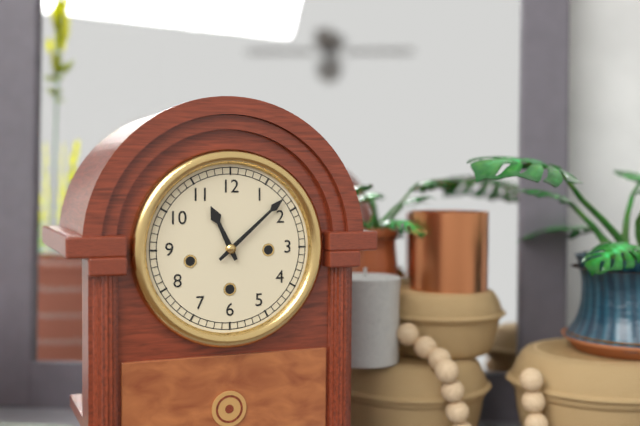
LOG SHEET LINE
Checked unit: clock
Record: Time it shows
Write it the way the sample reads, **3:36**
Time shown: **11:08**
